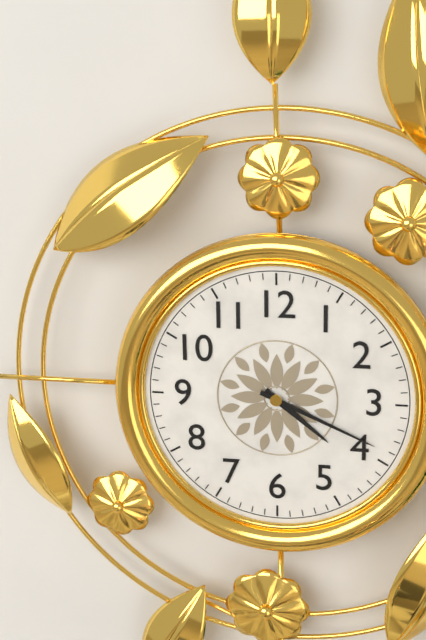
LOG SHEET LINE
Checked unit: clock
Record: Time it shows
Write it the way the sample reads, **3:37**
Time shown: **4:19**
